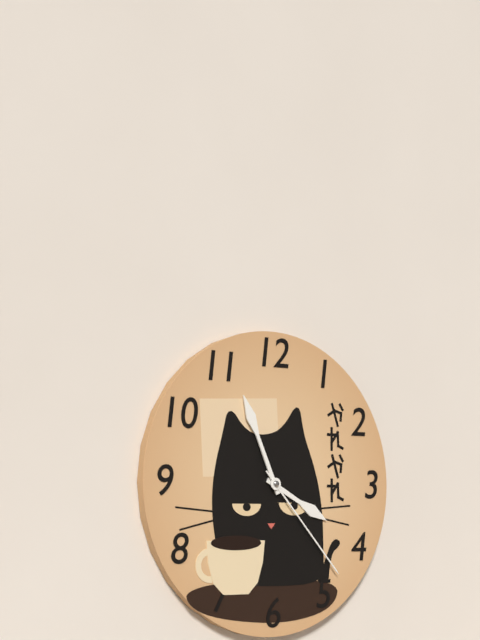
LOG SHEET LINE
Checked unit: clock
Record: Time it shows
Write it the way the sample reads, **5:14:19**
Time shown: **3:56:23**
